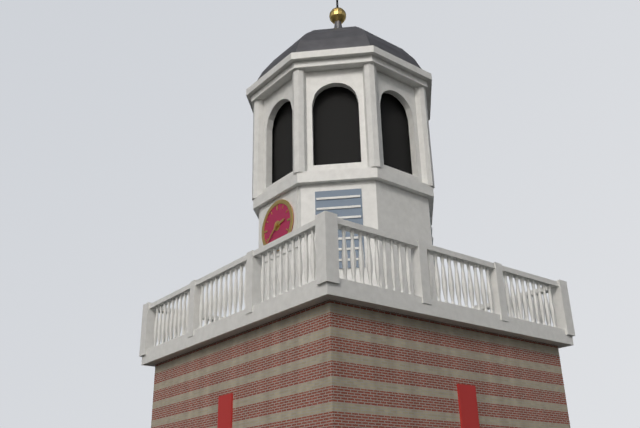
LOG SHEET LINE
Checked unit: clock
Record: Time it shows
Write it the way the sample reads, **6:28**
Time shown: **2:38**
